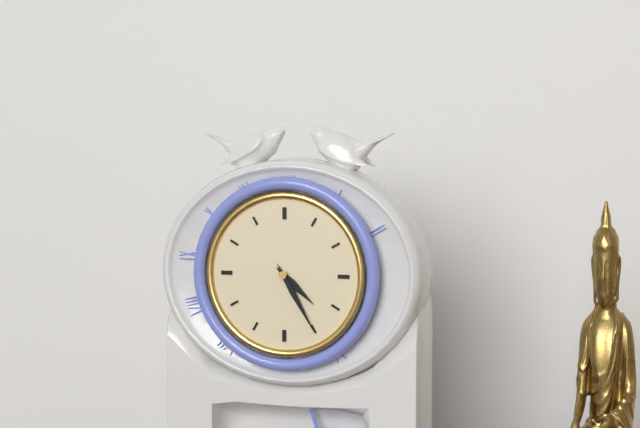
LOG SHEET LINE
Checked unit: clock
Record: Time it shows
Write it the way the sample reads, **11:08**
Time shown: **4:25**
